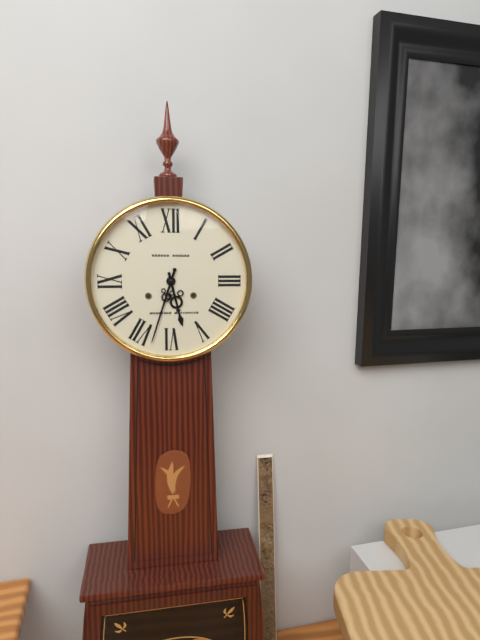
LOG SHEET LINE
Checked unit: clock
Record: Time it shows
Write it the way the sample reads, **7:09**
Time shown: **5:33**
